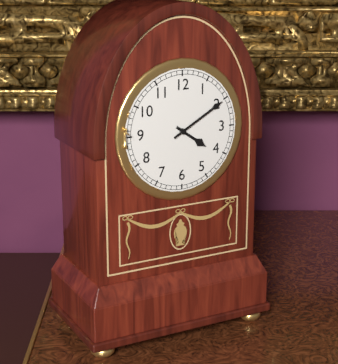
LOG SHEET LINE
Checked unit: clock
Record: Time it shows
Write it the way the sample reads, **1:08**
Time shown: **4:10**
